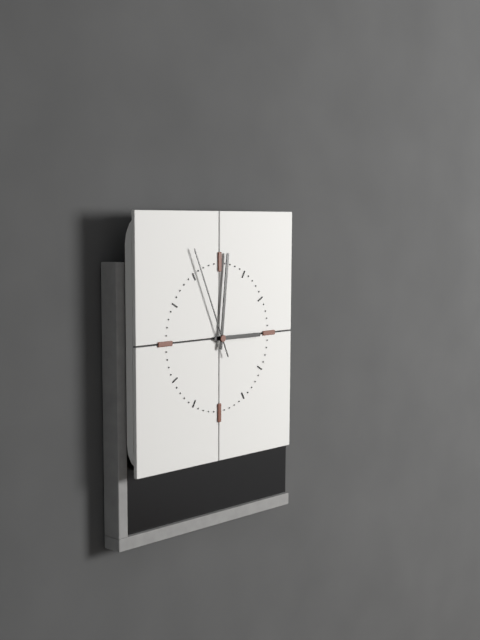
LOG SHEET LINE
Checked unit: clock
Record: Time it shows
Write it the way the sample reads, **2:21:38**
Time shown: **3:01:56**
